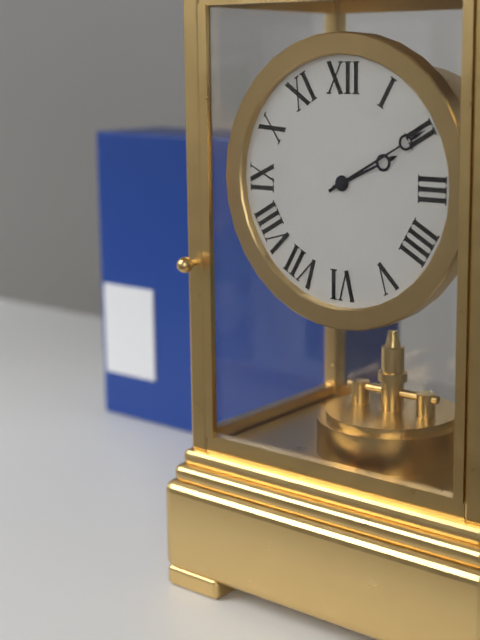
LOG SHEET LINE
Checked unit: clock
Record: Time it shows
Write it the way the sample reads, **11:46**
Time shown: **2:10**
